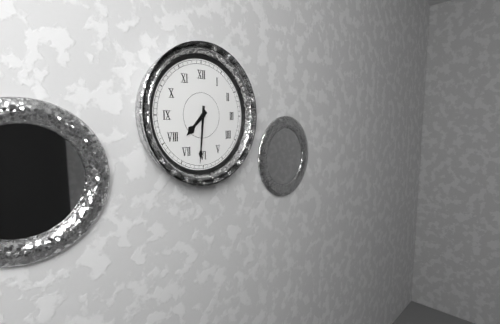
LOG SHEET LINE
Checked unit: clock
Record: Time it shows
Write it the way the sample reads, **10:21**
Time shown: **7:31**
